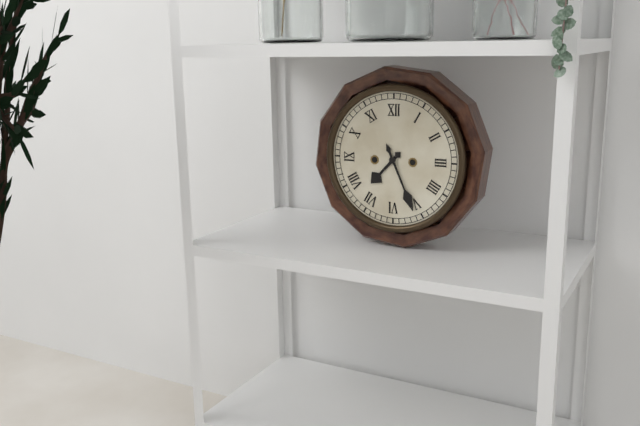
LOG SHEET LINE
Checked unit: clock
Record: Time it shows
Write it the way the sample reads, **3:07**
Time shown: **7:26**
